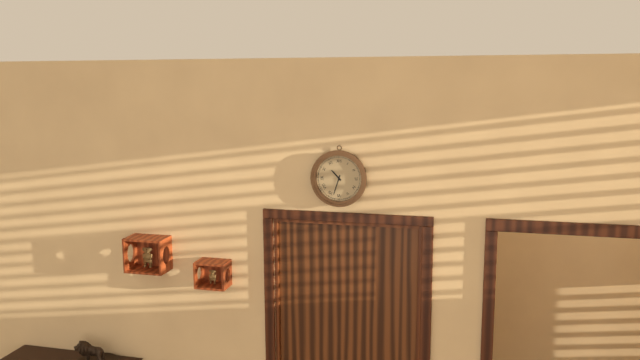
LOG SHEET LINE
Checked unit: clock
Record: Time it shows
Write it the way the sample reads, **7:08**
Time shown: **10:33**
